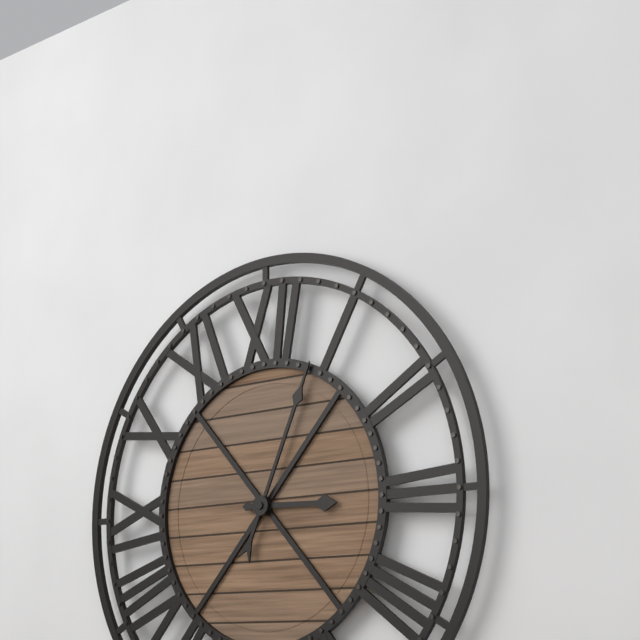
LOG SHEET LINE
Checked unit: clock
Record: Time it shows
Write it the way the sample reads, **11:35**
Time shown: **3:04**
